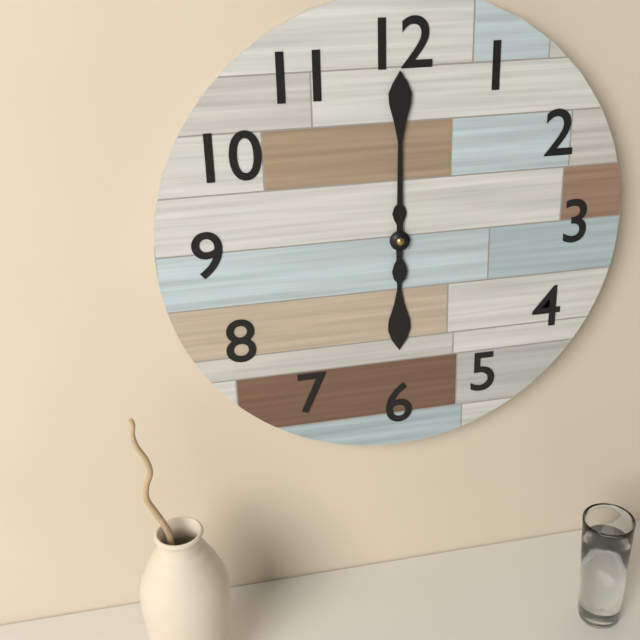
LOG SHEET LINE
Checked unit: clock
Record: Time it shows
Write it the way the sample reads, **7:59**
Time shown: **6:00**
